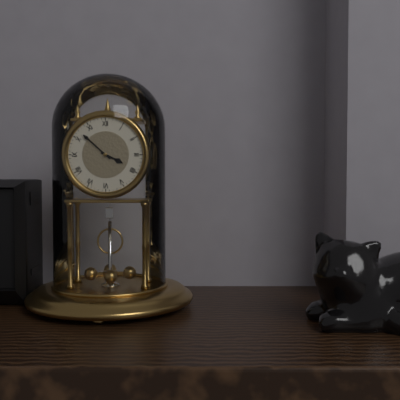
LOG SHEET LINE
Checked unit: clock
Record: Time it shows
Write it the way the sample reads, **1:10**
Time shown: **3:52**
